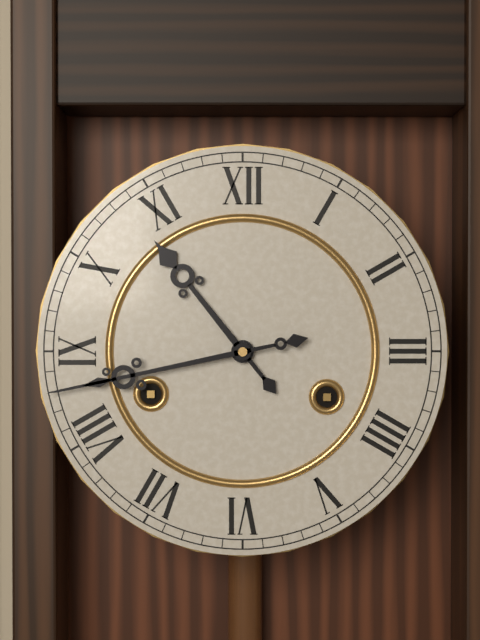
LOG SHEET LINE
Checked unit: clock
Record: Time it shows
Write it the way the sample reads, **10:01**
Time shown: **10:43**
